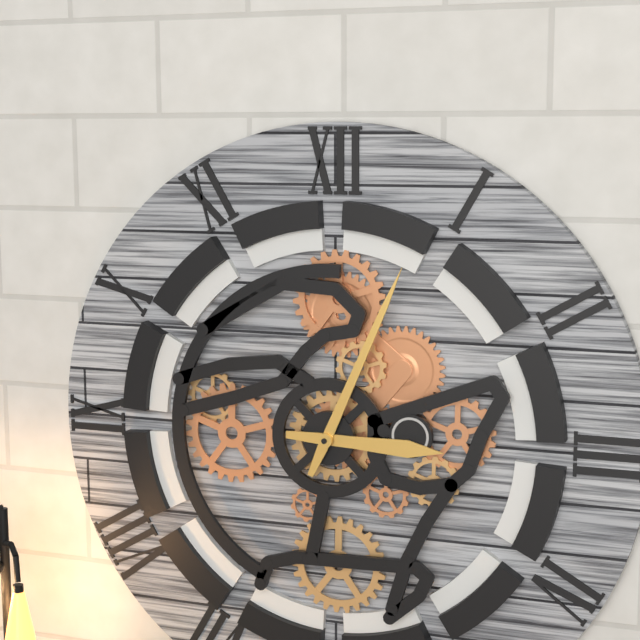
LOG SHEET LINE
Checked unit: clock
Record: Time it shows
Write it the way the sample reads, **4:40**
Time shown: **3:04**
